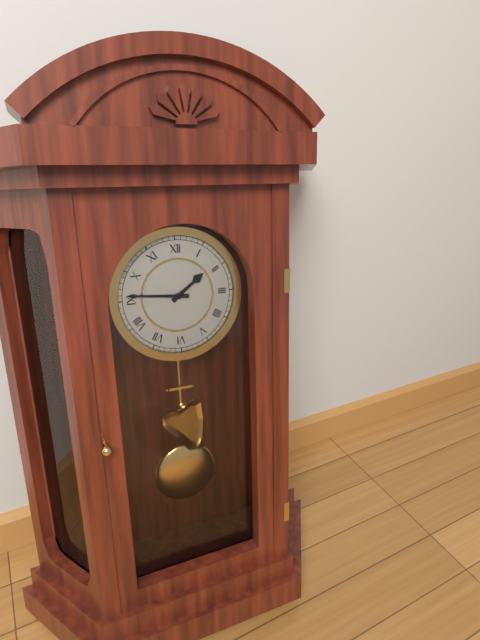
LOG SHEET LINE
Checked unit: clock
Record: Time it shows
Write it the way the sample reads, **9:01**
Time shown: **1:46**
